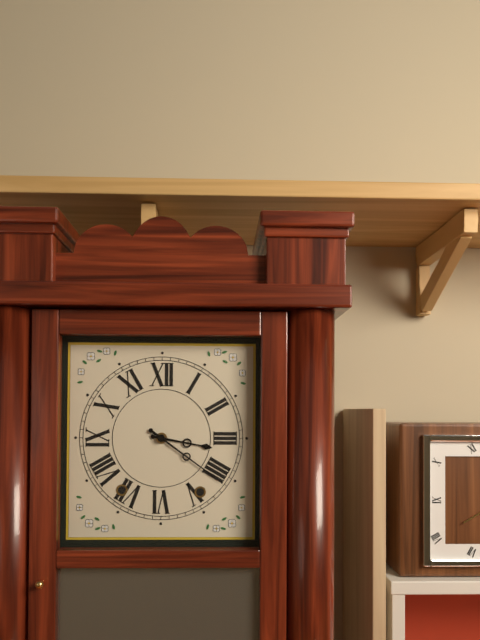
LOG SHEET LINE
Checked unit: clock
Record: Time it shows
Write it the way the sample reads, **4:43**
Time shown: **3:21**
